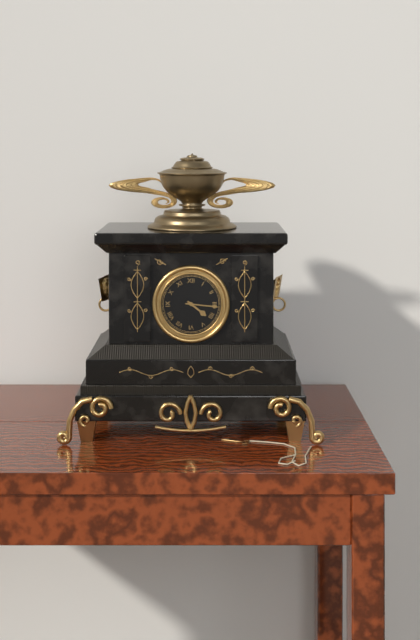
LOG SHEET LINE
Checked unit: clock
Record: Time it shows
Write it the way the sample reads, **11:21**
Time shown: **4:16**
